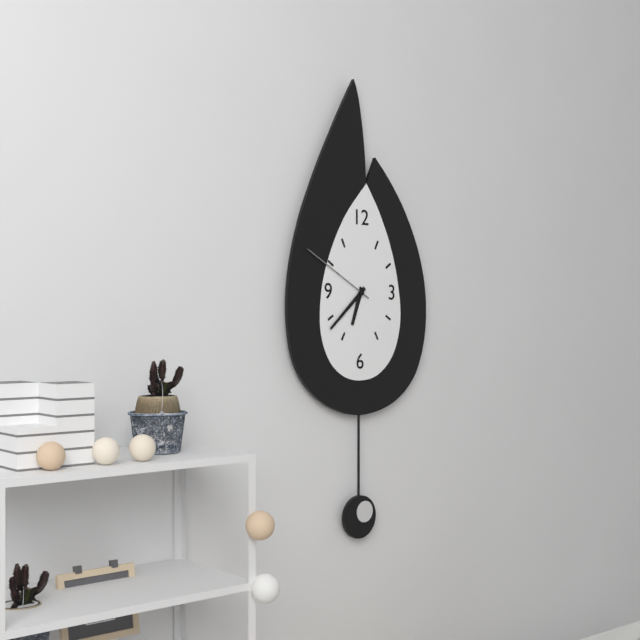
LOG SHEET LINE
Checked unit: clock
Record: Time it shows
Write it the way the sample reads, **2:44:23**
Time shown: **6:38:50**
